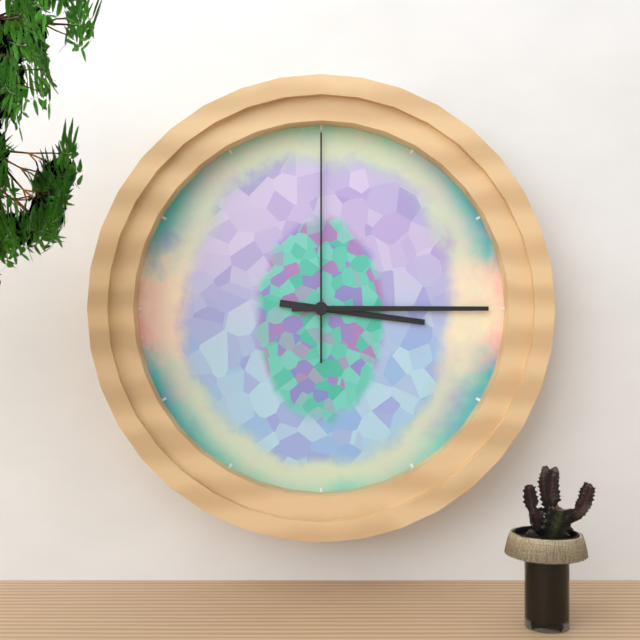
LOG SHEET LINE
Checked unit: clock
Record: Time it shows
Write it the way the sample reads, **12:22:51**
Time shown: **3:15:00**
